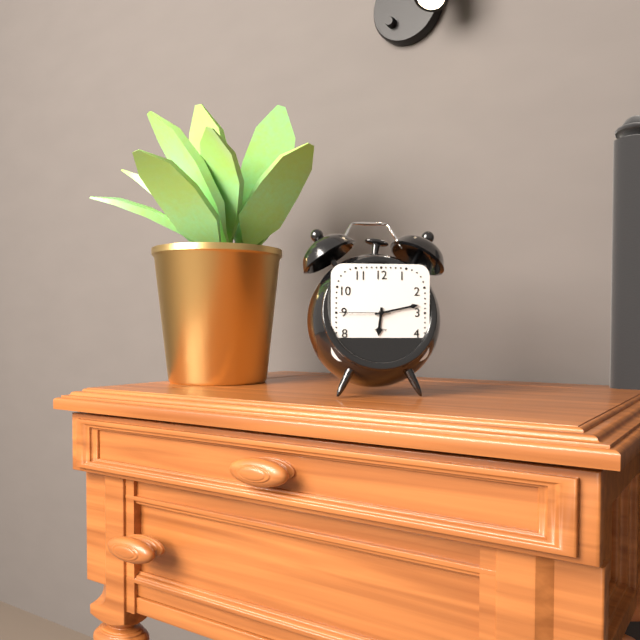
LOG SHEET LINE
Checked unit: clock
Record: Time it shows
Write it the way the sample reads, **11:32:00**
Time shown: **6:13:45**
